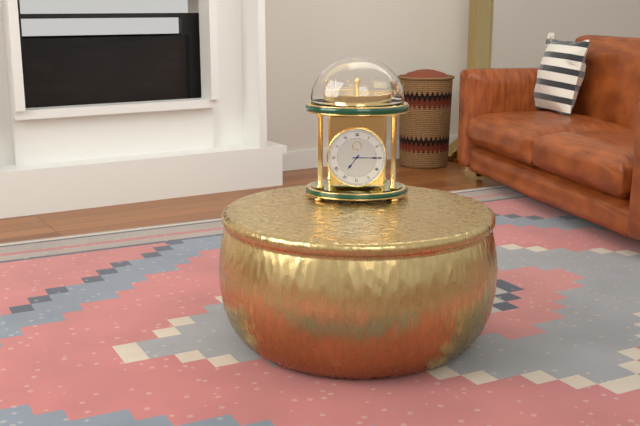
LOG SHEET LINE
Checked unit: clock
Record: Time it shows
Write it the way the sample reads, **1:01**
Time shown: **7:15**
